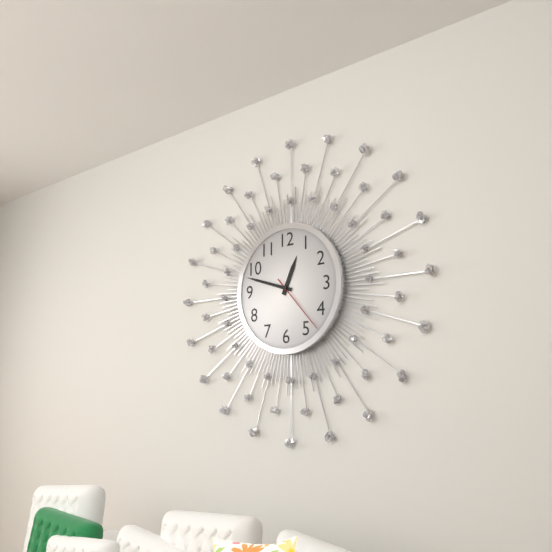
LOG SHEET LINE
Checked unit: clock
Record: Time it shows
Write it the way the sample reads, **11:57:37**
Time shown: **12:48:23**
